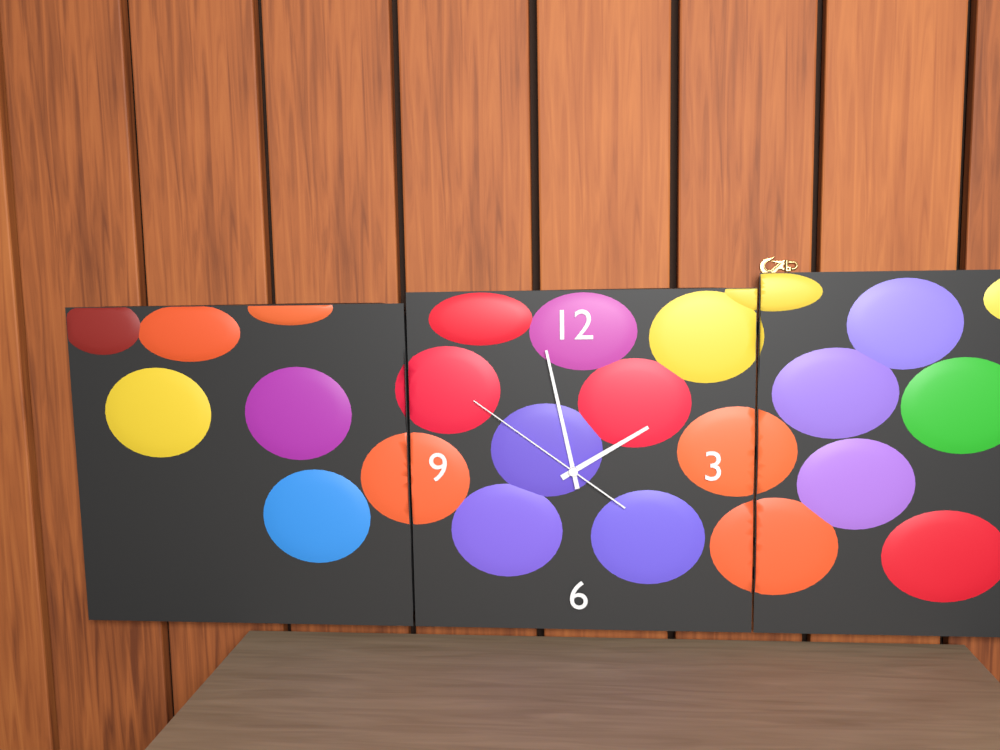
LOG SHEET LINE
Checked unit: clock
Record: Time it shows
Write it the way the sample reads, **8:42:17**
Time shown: **1:58:51**
